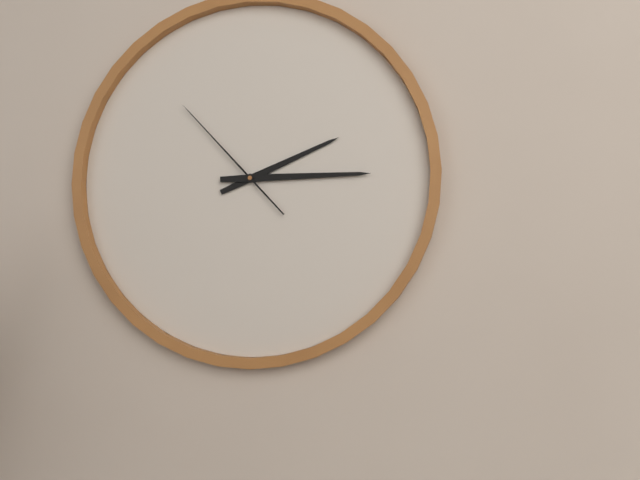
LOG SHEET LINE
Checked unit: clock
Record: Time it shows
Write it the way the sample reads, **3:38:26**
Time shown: **2:15:53**
